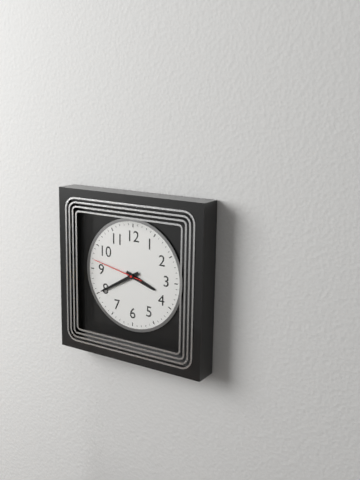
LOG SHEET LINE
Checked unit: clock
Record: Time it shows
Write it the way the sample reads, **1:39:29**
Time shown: **3:40:47**
